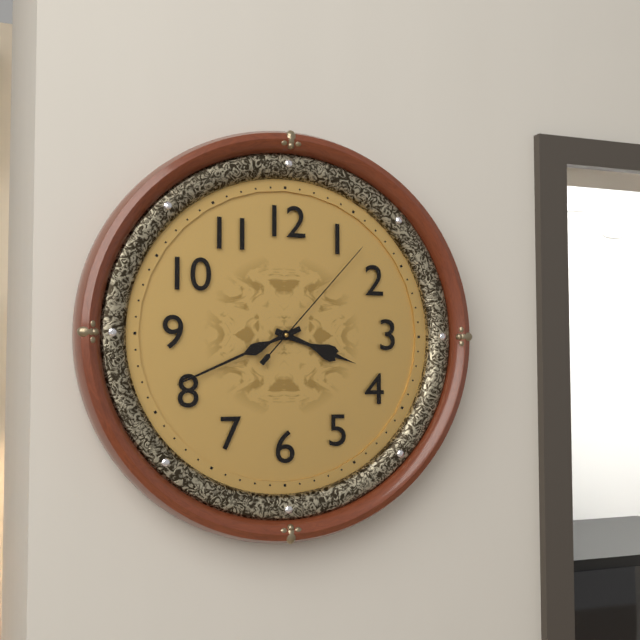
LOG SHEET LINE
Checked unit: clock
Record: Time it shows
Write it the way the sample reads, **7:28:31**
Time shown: **3:41:07**
